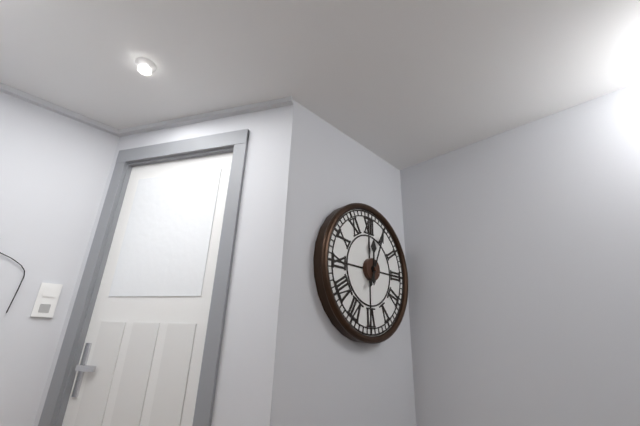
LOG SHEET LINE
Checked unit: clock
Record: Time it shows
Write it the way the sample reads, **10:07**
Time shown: **12:04**
